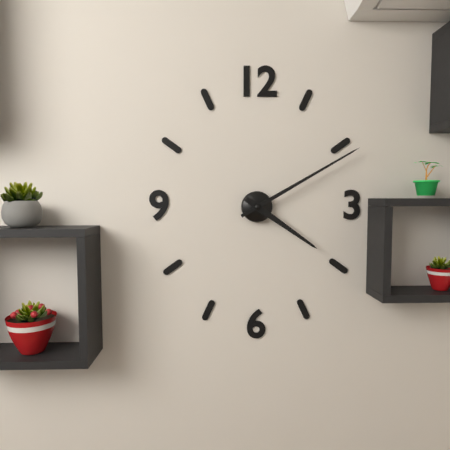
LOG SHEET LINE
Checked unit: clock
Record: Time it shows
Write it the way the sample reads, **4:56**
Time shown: **4:10**
